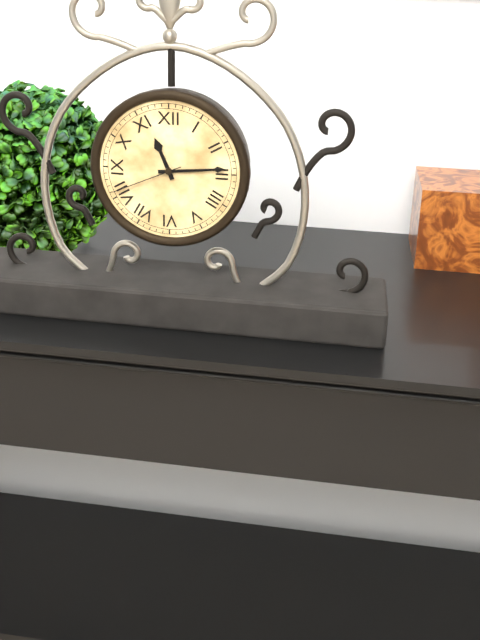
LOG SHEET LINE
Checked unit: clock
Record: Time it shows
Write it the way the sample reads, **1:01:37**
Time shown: **11:14:41**
